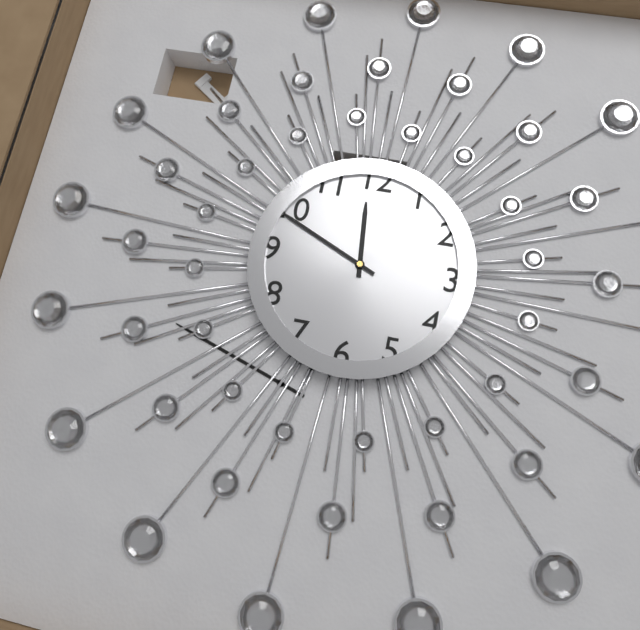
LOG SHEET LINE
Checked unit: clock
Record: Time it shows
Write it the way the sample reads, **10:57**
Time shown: **11:49**
